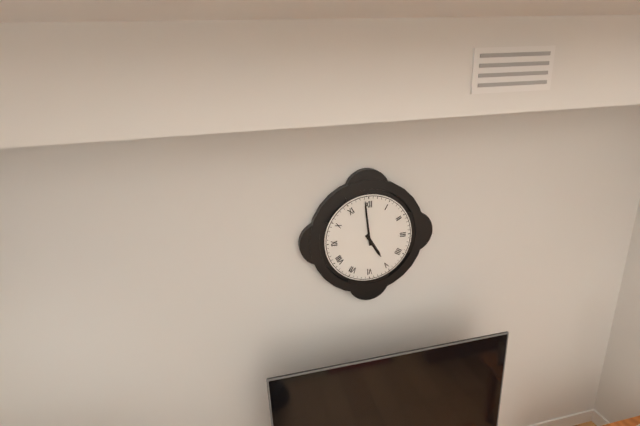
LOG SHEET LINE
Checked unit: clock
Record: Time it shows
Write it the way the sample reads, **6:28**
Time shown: **4:59**
